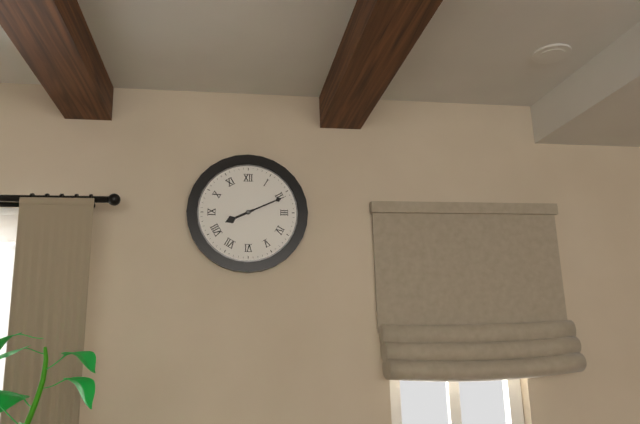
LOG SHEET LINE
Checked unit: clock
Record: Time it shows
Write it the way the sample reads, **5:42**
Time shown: **8:11**
